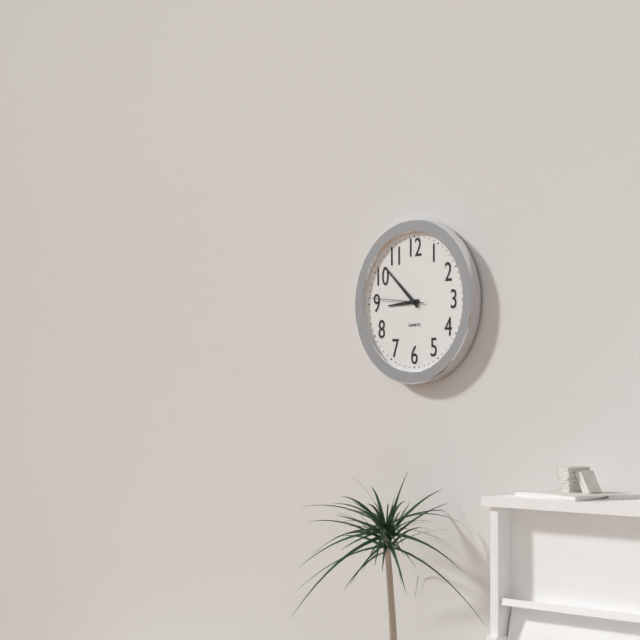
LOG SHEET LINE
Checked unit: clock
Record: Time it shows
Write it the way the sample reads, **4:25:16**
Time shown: **8:52:46**
